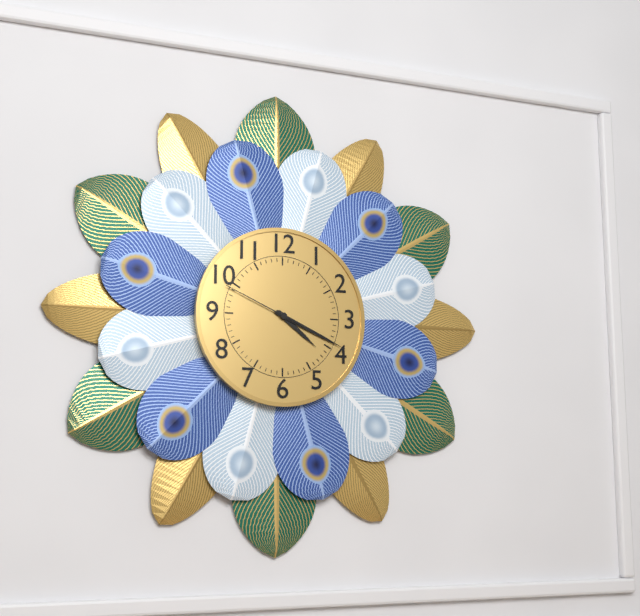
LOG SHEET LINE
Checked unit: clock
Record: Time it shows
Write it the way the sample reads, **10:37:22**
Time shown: **4:19:49**
